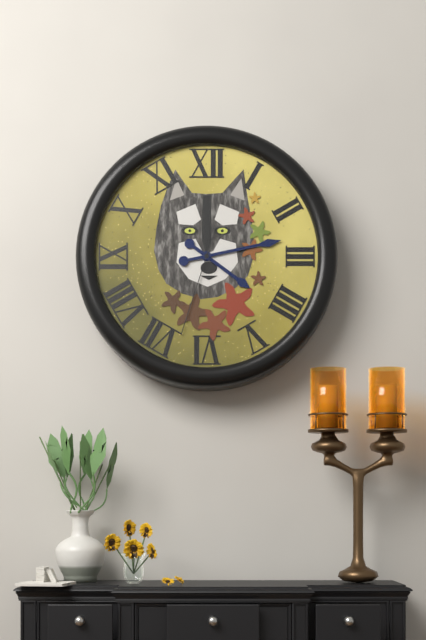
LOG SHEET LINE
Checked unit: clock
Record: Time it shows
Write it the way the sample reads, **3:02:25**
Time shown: **4:13:33**
